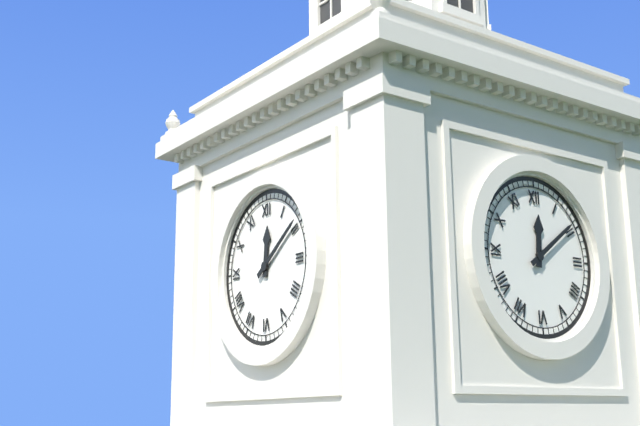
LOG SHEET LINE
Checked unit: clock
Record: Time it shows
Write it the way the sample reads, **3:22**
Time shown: **12:09**
